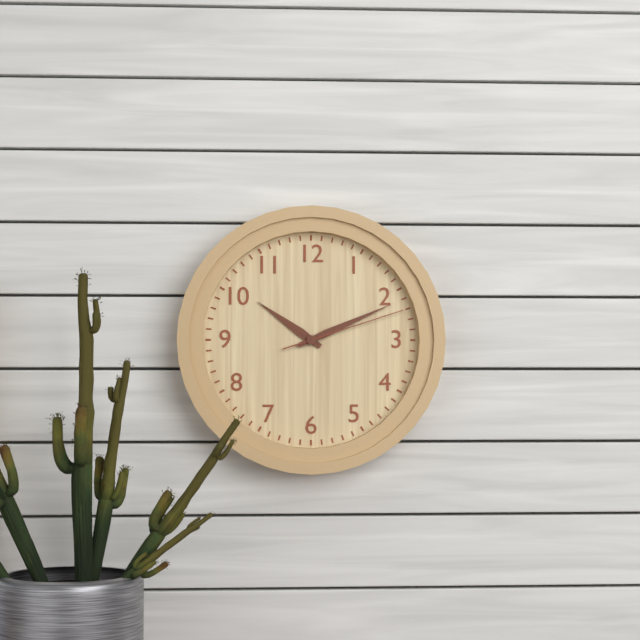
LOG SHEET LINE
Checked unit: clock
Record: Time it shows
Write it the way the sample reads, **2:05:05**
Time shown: **10:11:12**
